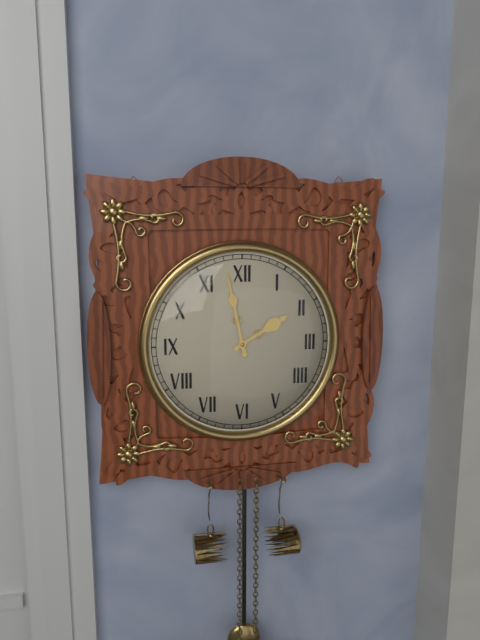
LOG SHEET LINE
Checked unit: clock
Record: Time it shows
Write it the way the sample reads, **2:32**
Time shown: **1:58**
